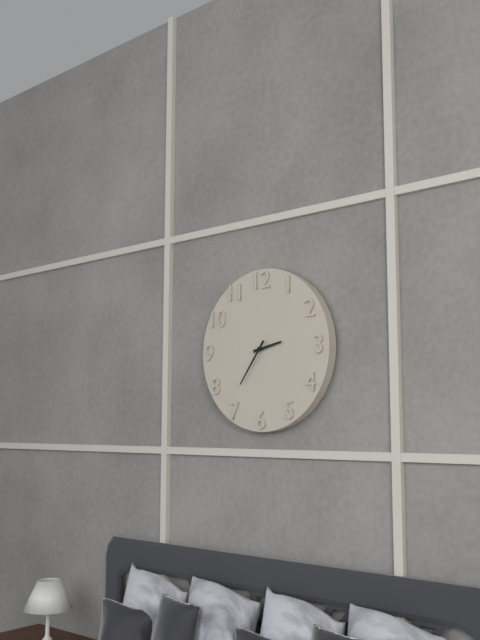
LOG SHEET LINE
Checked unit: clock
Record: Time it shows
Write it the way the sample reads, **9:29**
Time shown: **2:36**
